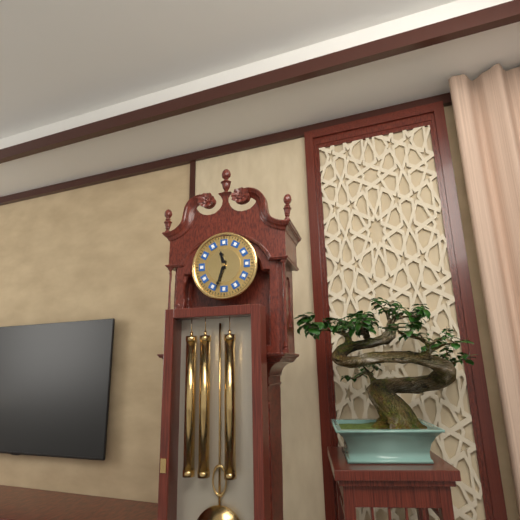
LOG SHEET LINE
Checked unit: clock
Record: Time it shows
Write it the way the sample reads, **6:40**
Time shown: **11:33**
